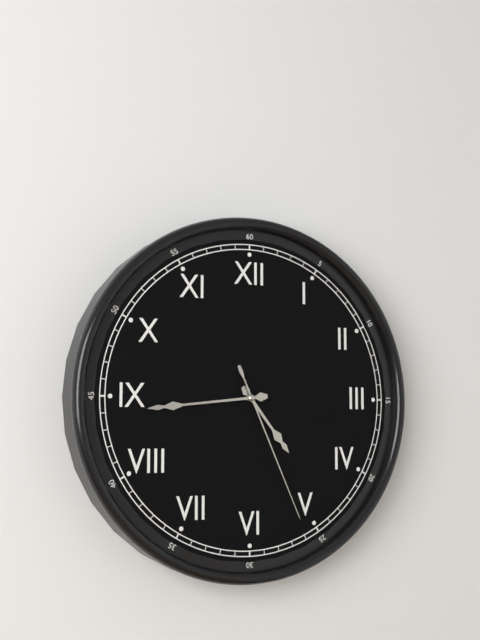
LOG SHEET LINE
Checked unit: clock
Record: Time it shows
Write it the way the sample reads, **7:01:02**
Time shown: **4:44:26**
